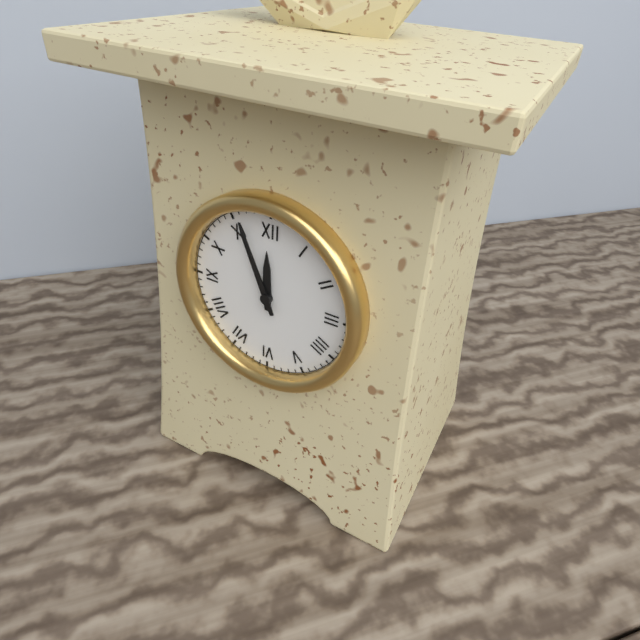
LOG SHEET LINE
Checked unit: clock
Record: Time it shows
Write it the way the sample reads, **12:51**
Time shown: **11:56**
